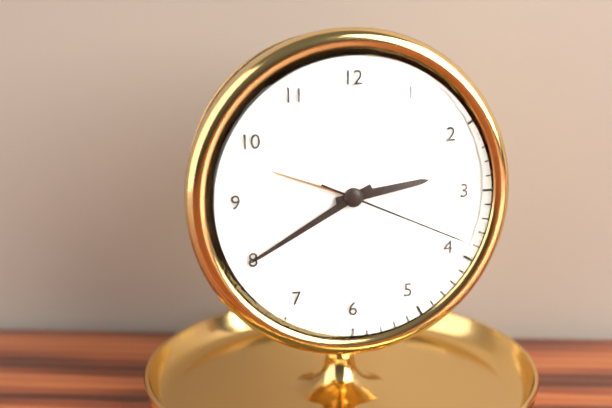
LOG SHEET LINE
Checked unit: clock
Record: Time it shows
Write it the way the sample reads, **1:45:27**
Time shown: **2:40:19**
